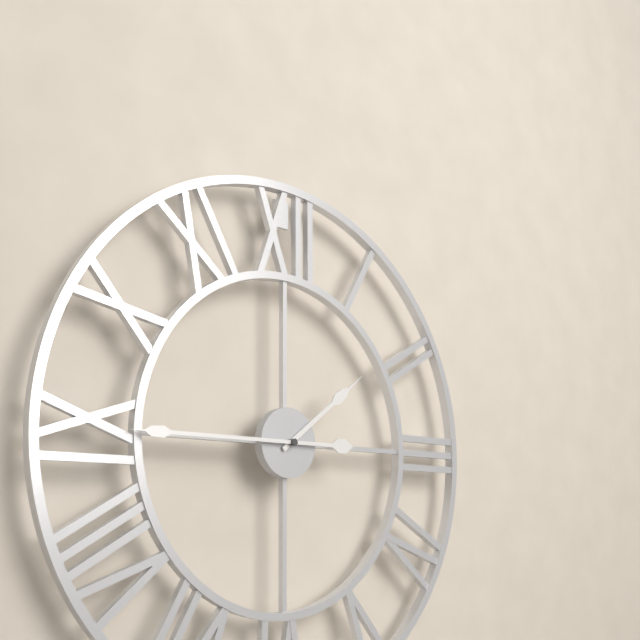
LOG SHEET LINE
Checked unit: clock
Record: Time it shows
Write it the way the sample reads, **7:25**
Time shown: **1:45**
